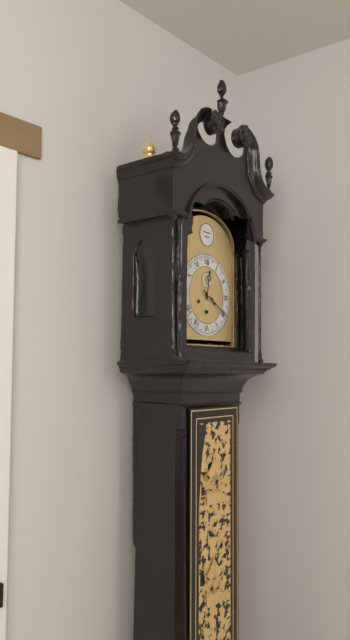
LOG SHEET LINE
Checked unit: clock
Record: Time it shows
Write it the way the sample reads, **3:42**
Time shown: **12:20**
